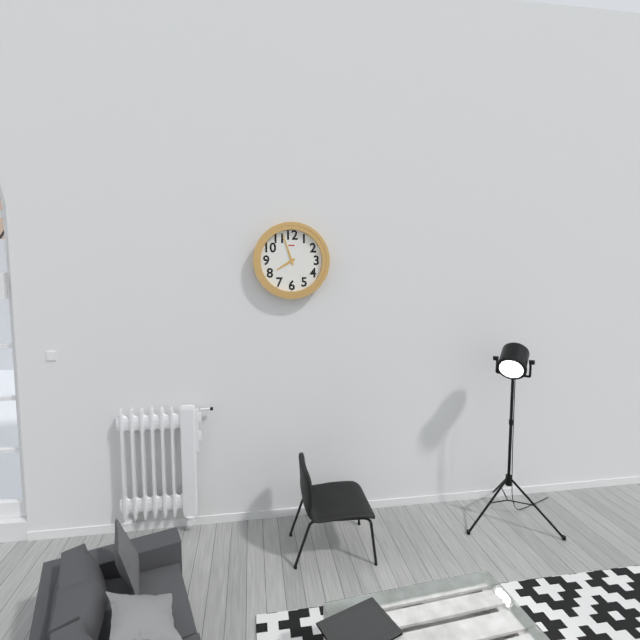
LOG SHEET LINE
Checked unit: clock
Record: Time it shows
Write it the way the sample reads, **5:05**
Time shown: **7:57**
